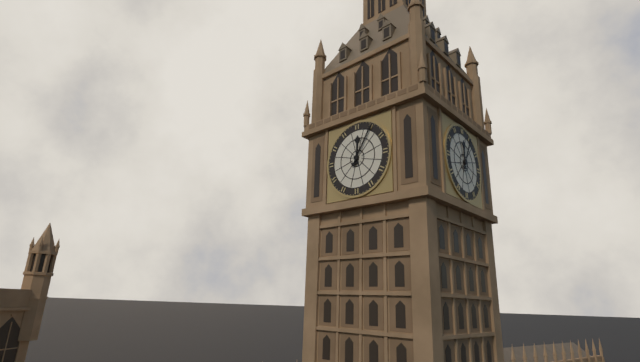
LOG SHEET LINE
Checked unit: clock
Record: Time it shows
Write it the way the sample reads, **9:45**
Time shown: **12:05**
